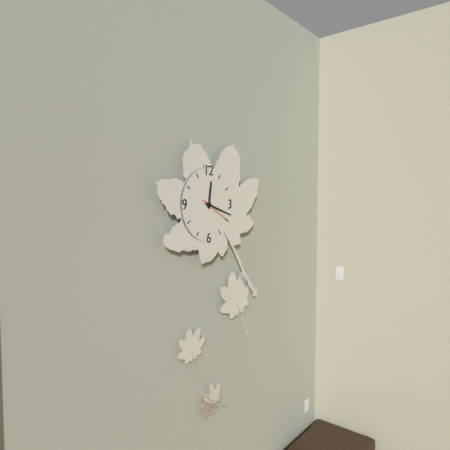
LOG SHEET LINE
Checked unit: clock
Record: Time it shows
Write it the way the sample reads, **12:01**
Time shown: **12:18**
